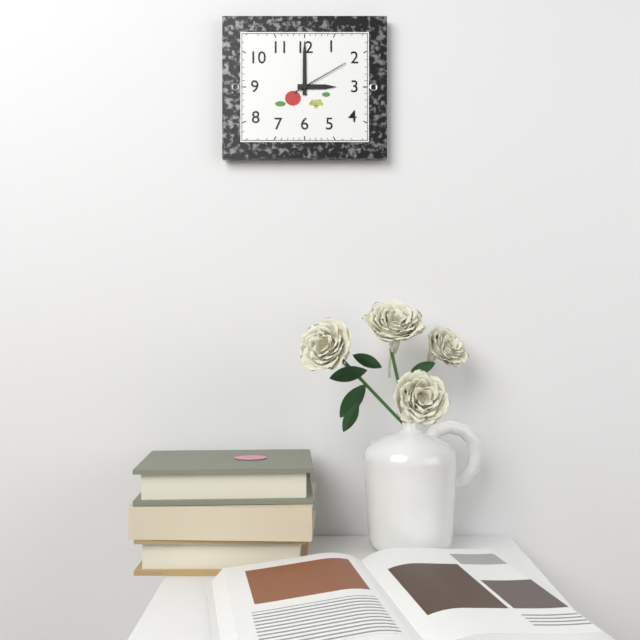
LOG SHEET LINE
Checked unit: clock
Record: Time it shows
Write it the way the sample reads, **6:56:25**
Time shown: **3:00:10**
